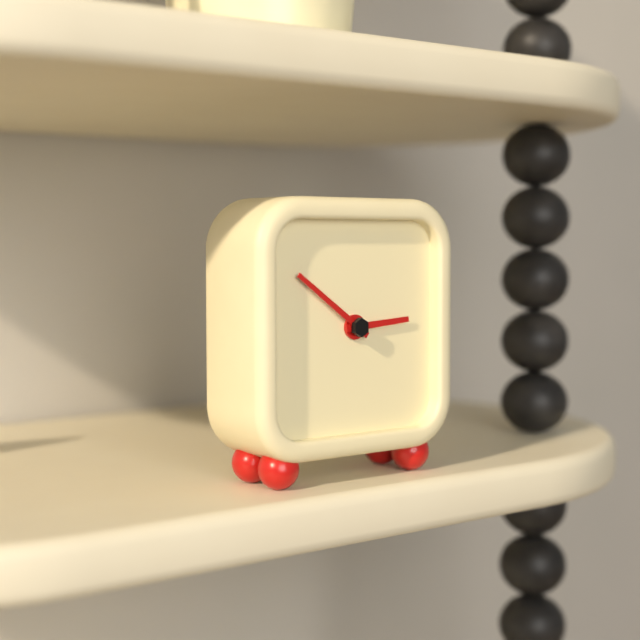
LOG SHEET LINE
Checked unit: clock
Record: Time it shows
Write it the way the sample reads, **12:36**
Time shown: **2:51**
